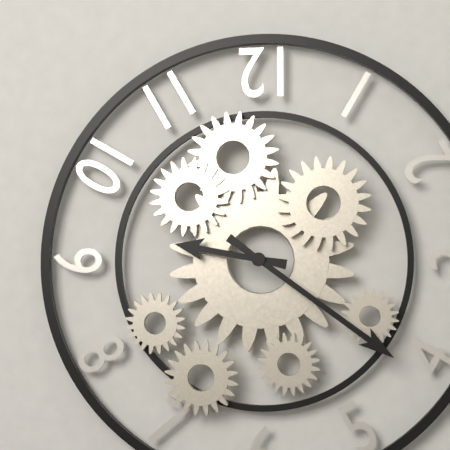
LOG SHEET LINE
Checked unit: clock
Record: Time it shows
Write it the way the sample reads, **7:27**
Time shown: **9:21**
